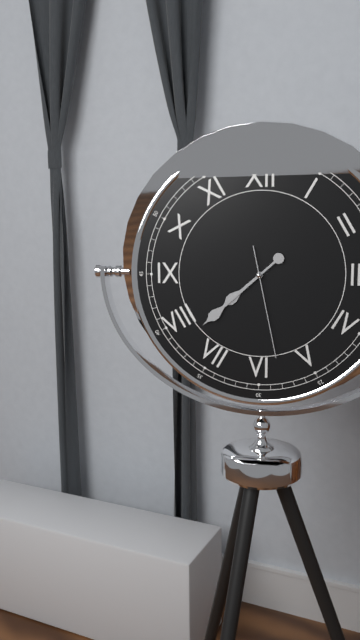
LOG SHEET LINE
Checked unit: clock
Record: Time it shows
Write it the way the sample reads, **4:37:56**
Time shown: **7:38:28**
